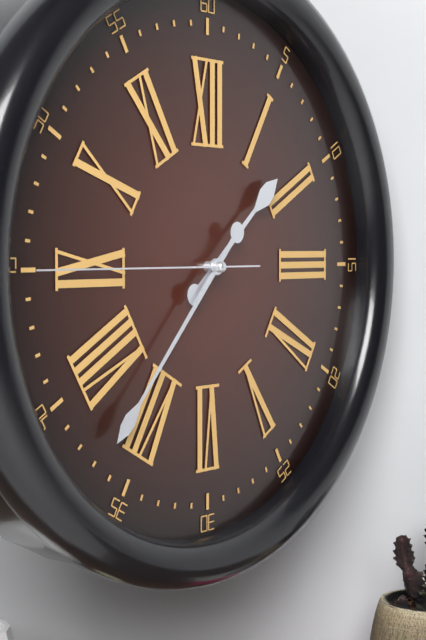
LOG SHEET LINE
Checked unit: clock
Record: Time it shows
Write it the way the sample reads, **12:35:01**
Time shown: **1:37:45**
